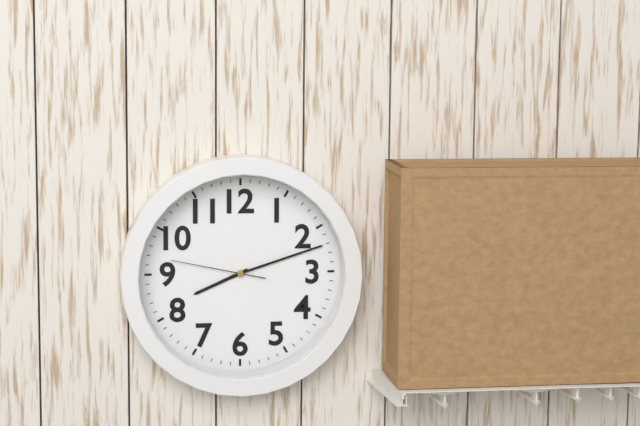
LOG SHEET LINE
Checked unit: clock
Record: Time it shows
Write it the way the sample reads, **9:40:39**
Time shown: **8:12:47**
